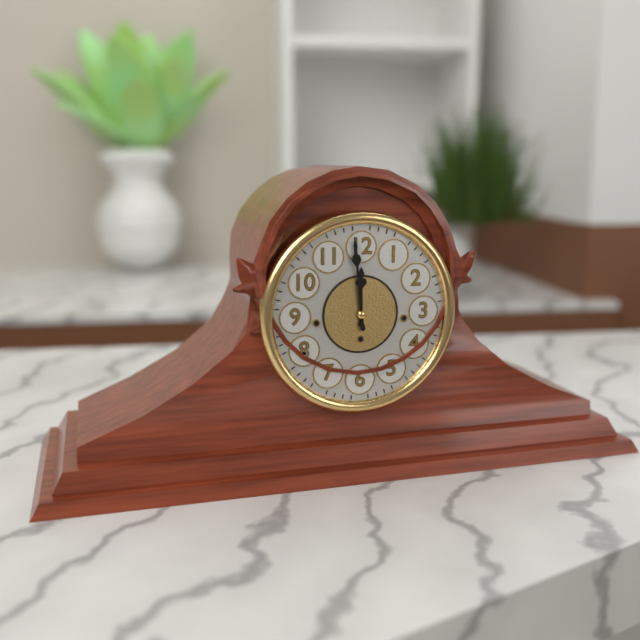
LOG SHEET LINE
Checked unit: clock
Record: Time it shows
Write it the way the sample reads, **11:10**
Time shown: **11:59**
